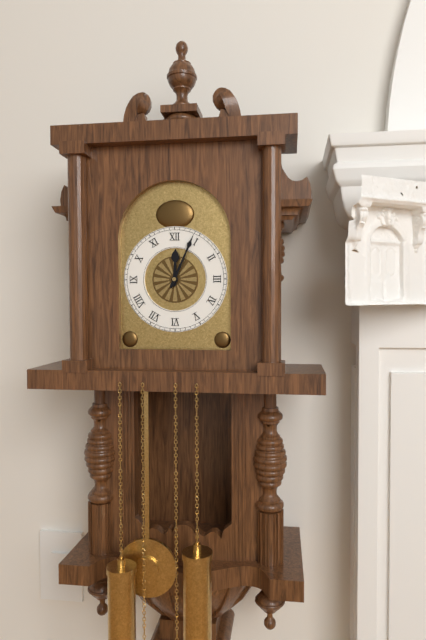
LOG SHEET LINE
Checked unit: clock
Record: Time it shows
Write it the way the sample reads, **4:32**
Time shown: **12:04**
